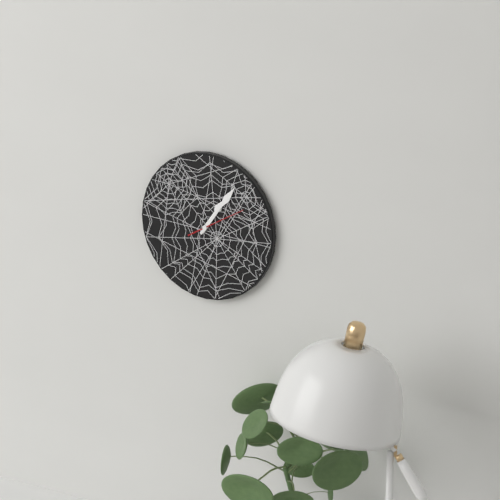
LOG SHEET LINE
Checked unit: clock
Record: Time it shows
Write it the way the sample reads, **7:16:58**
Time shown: **1:06:10**
